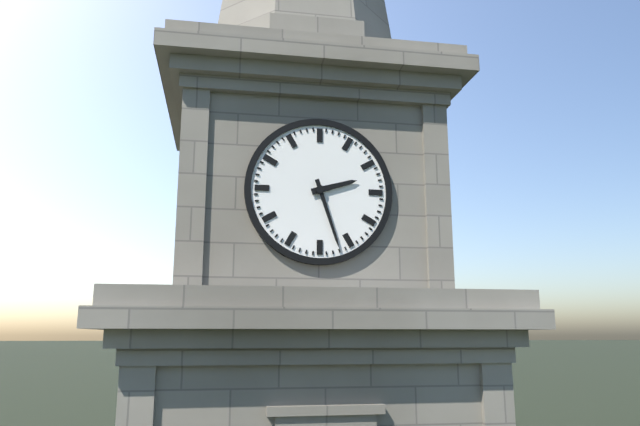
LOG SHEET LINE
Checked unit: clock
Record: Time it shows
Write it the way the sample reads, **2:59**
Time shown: **2:27**
